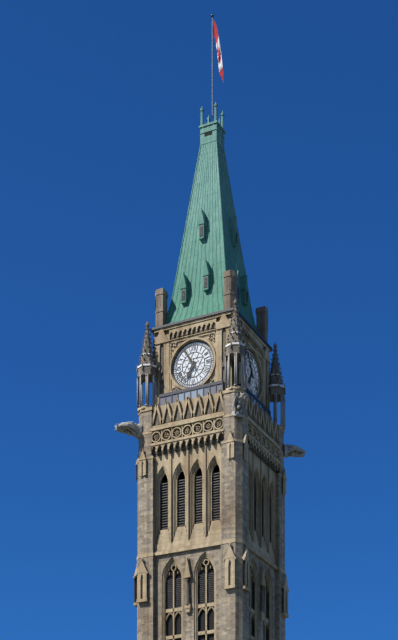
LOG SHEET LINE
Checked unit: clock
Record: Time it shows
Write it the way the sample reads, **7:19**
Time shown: **6:55**
